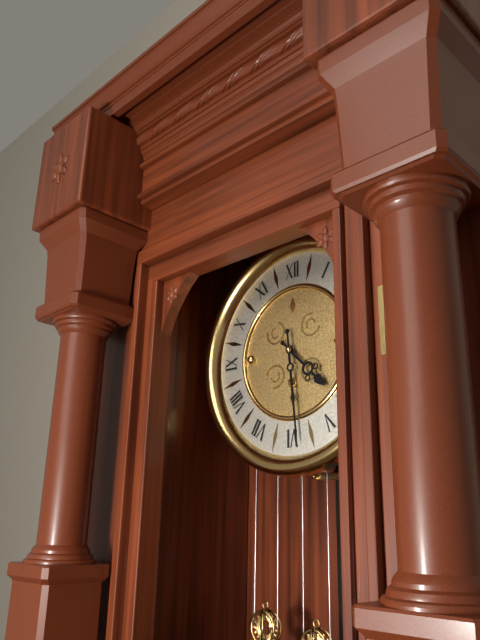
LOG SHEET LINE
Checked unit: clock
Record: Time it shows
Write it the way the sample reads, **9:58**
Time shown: **4:29**
